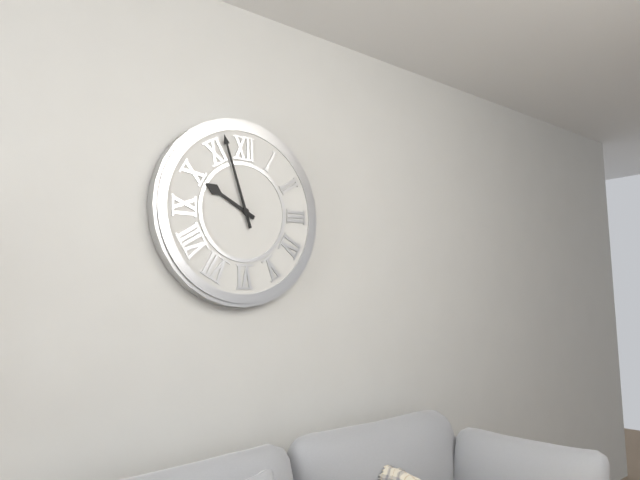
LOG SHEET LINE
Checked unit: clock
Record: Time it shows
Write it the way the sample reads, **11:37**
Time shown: **9:57**
